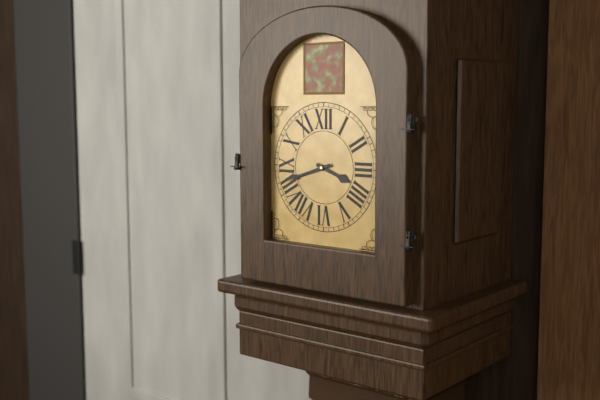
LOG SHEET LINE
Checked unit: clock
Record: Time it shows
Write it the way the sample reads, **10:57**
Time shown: **3:42**
